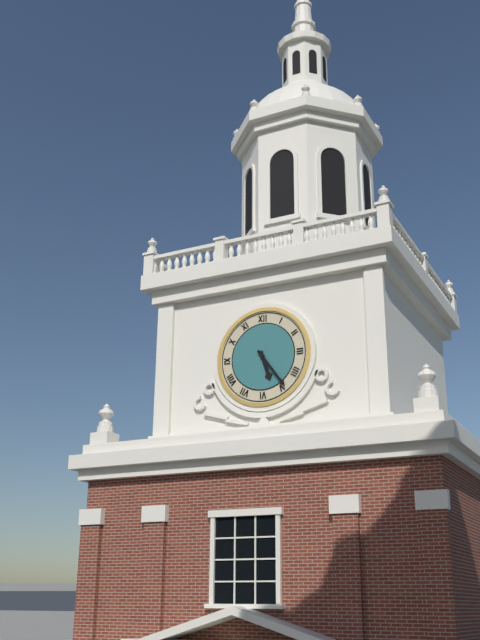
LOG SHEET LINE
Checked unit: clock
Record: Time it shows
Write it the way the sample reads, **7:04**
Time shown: **5:24**
